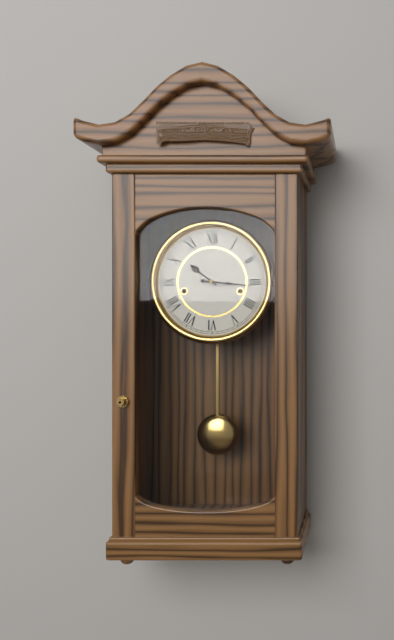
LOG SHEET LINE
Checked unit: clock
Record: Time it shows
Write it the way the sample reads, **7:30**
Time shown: **10:16**
